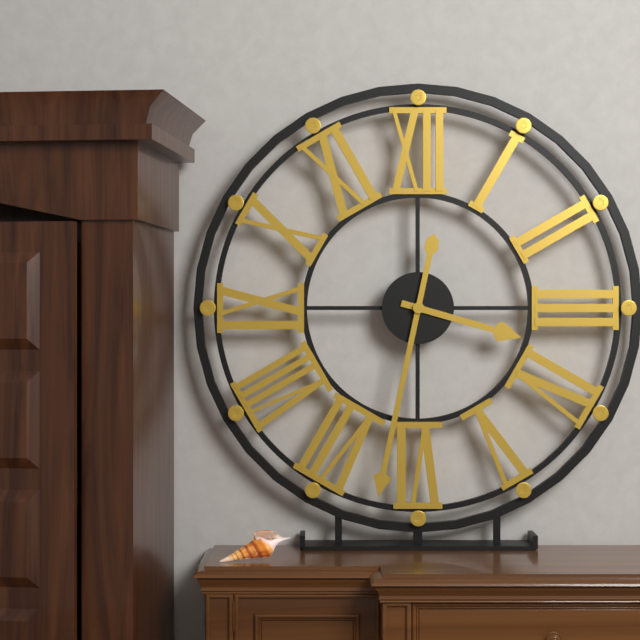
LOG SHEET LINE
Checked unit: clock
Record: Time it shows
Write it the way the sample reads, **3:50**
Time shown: **3:32**
